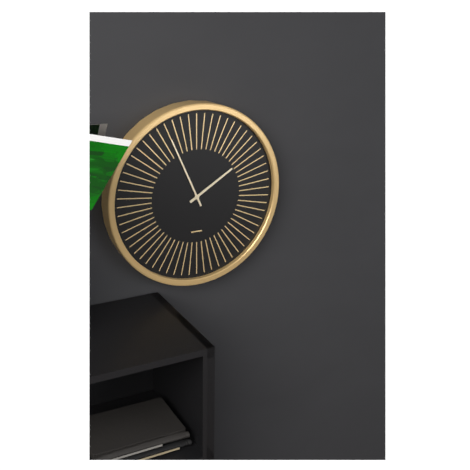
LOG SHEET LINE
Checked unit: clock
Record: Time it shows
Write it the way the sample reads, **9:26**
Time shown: **1:56**
